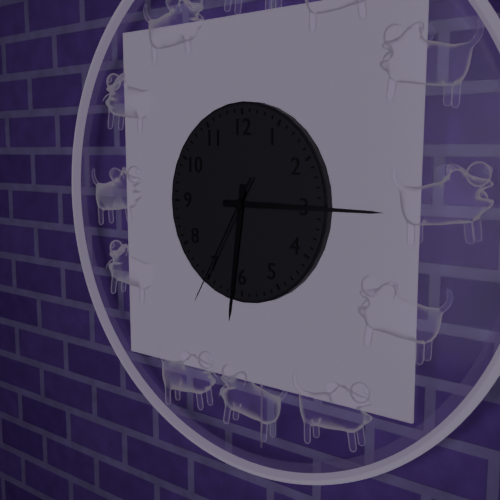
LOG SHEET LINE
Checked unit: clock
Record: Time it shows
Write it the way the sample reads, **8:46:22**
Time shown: **6:15:35**
